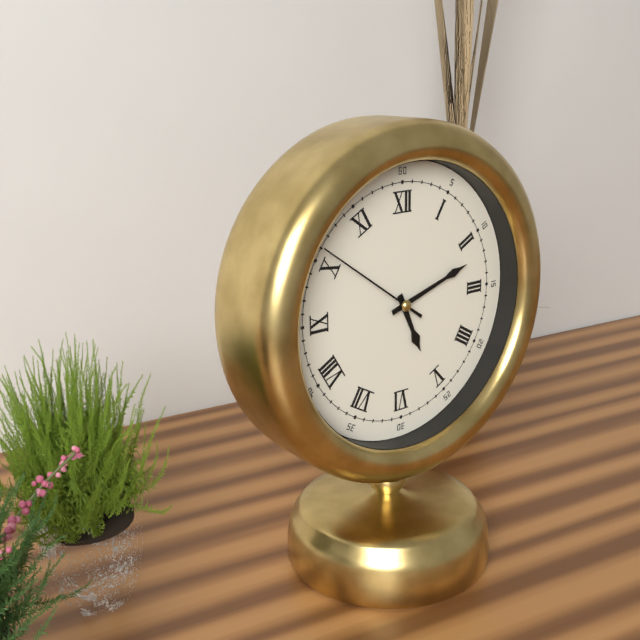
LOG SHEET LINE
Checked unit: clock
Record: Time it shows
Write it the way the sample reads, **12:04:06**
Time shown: **5:12:51**
